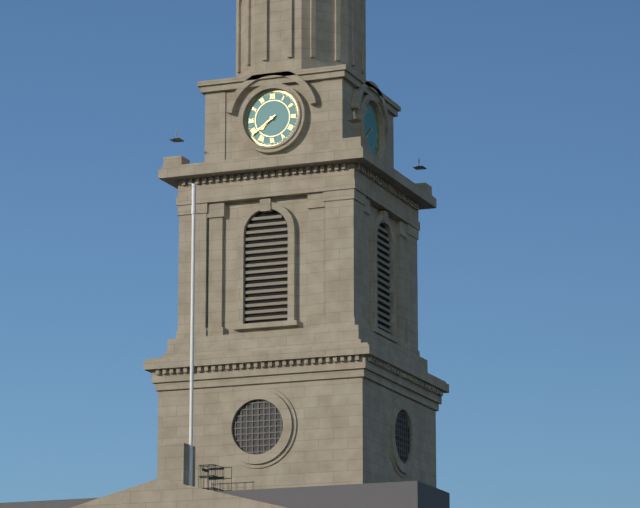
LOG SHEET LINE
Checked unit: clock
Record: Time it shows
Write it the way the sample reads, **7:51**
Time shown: **7:39**
